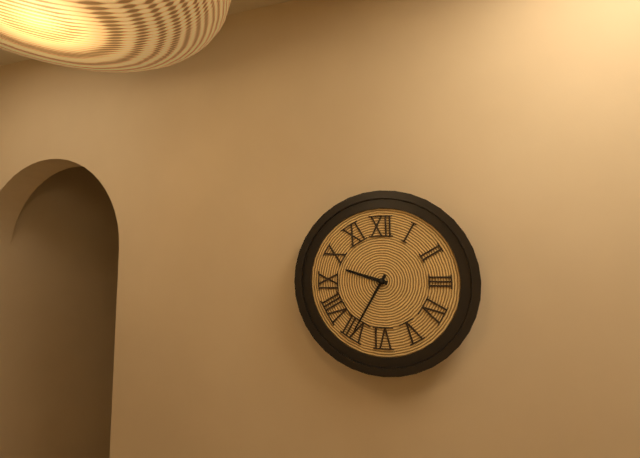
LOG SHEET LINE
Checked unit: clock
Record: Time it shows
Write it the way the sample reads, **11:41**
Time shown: **9:35**
